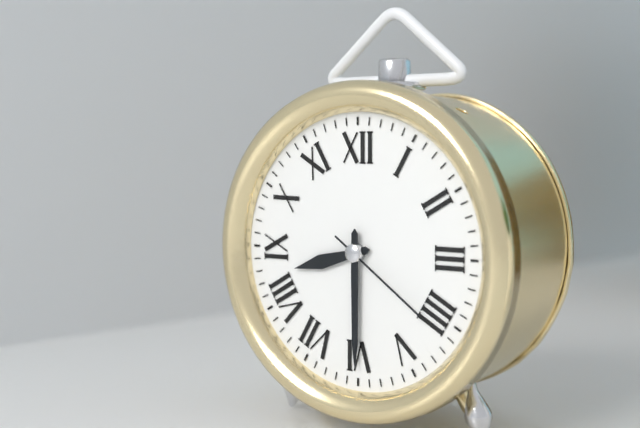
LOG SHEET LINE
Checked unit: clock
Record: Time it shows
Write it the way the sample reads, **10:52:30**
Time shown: **8:30:21**
